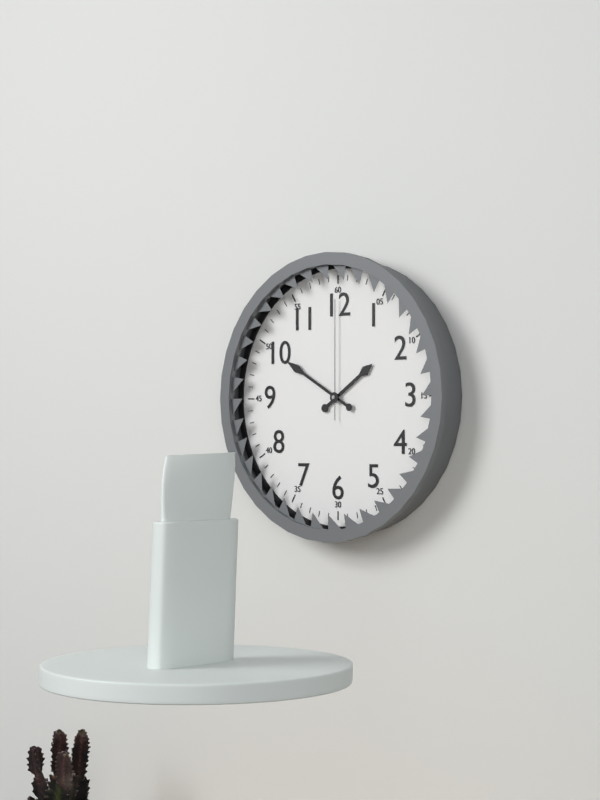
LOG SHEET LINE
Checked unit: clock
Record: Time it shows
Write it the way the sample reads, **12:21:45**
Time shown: **1:50:00**
